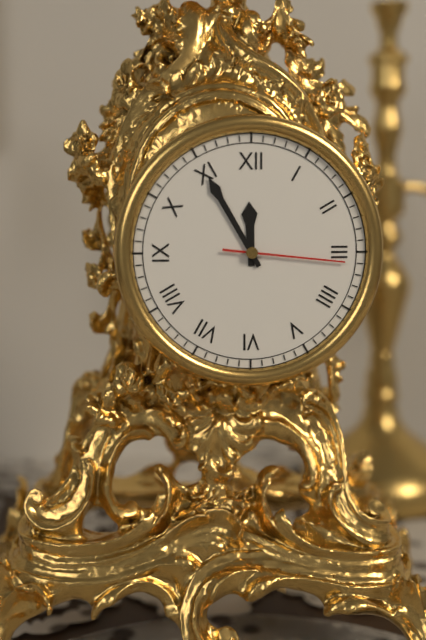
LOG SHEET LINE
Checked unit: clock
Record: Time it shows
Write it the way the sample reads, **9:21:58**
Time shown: **11:55:16**
